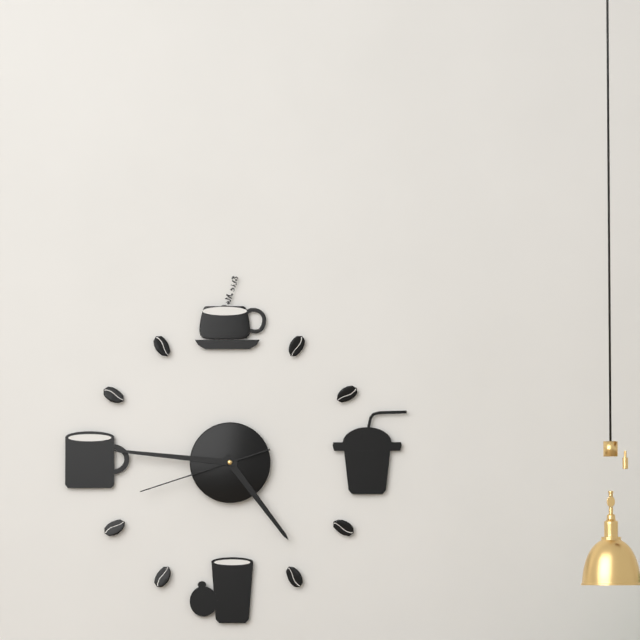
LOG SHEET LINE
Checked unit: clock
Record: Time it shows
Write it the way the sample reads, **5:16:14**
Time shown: **4:46:42**
